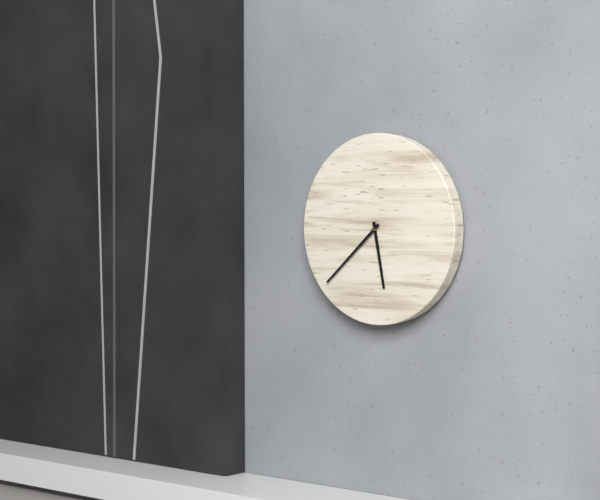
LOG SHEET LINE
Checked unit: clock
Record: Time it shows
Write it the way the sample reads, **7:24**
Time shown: **5:38**
